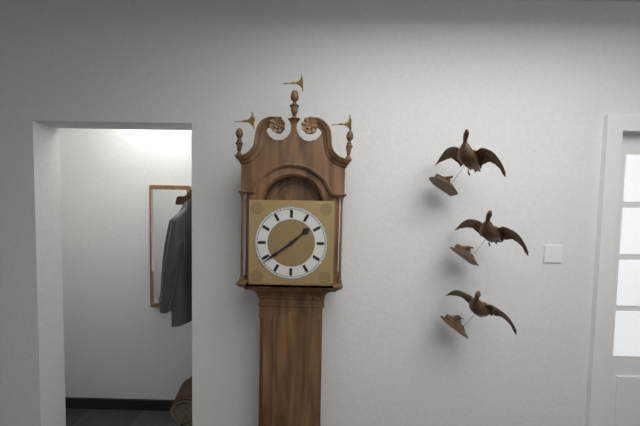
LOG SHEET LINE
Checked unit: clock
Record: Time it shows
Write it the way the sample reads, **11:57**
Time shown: **1:39**
